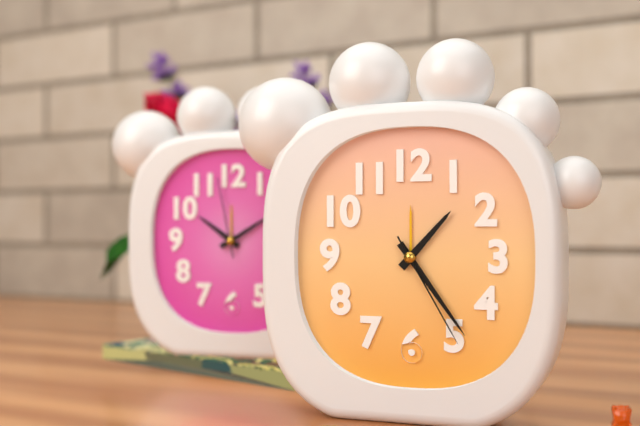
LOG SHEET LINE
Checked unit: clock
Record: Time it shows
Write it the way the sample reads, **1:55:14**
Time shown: **1:24:25**
